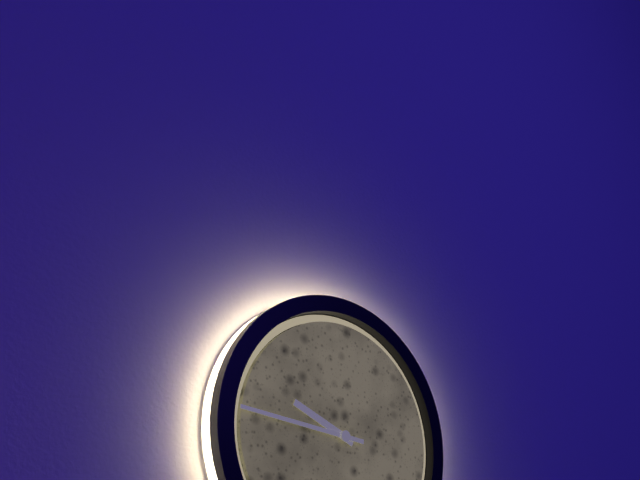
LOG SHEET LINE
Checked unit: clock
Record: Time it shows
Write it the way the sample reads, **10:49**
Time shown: **9:46**
